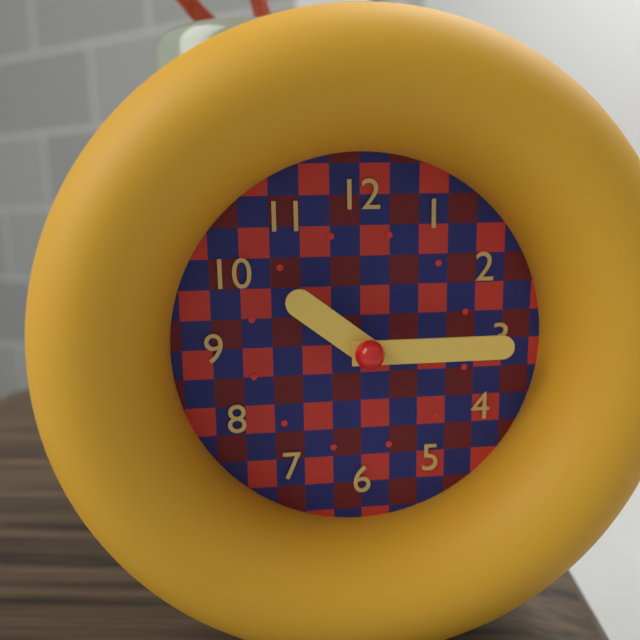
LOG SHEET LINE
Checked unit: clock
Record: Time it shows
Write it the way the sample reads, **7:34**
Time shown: **10:15**
